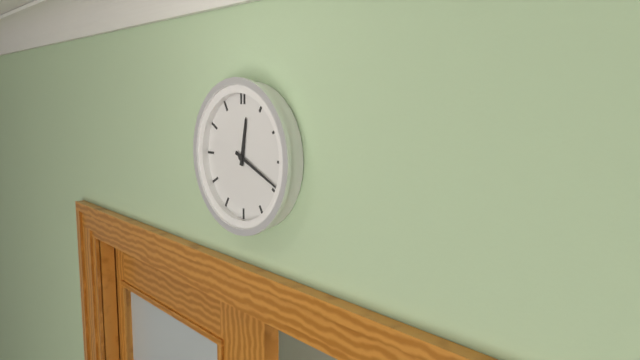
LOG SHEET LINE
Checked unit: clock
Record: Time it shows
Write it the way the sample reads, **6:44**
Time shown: **12:19**
